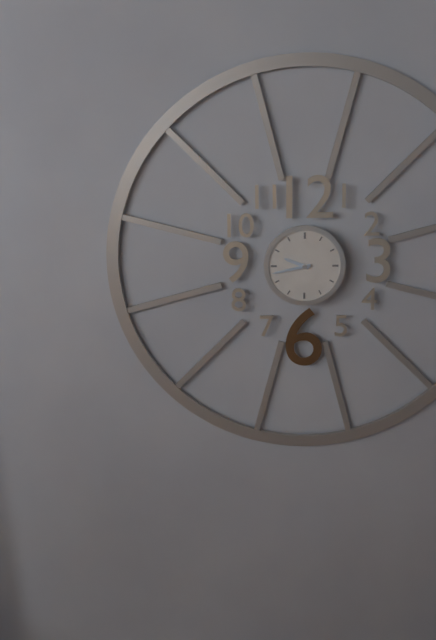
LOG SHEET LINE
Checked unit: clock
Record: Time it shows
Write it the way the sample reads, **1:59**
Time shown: **9:43**
